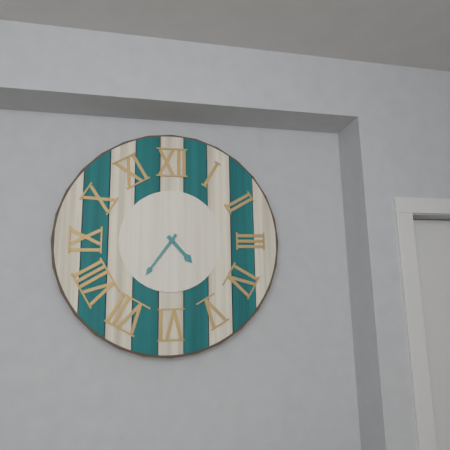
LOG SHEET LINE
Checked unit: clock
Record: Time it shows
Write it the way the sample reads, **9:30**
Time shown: **4:36**
